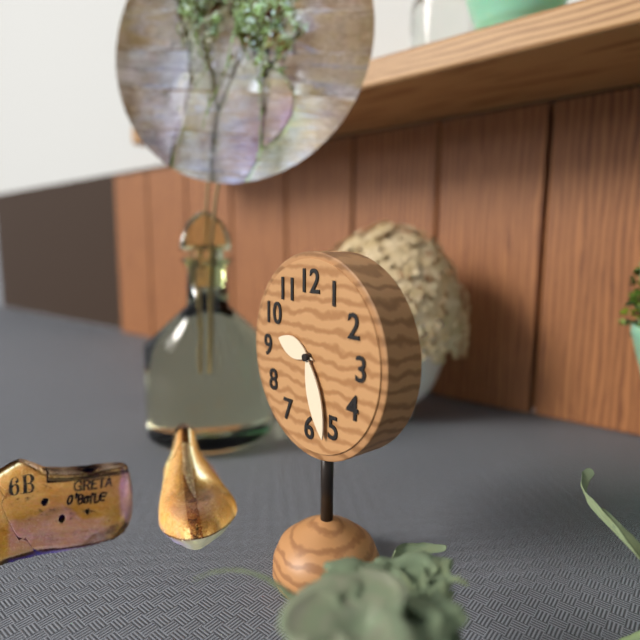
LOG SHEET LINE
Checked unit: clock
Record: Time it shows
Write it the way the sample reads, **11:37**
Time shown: **9:27**
